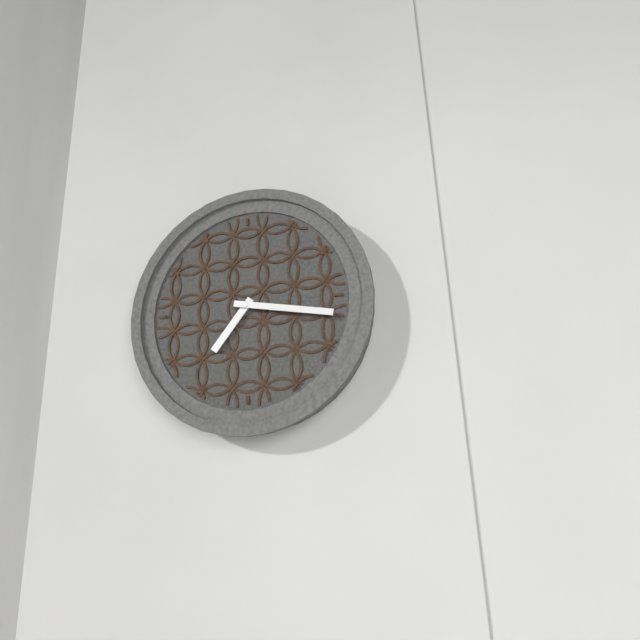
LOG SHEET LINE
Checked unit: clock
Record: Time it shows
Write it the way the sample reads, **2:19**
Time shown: **7:17**
